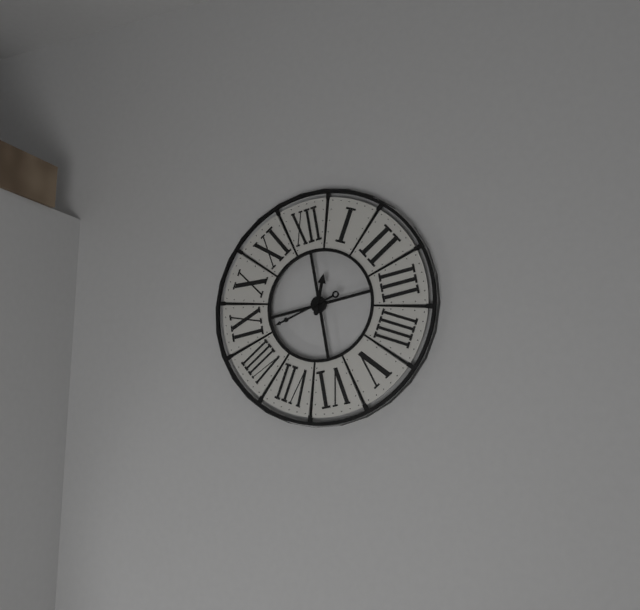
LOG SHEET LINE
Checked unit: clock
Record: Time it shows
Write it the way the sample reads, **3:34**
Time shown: **12:43**
